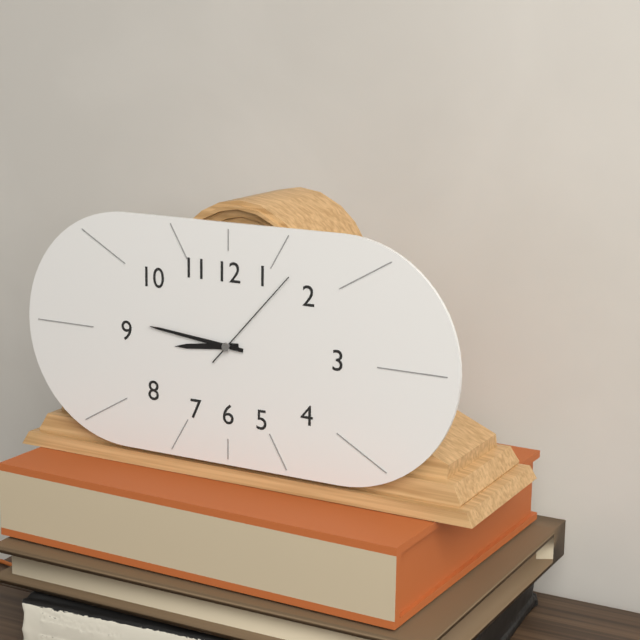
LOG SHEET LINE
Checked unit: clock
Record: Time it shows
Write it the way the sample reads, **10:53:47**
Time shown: **8:46:07**
